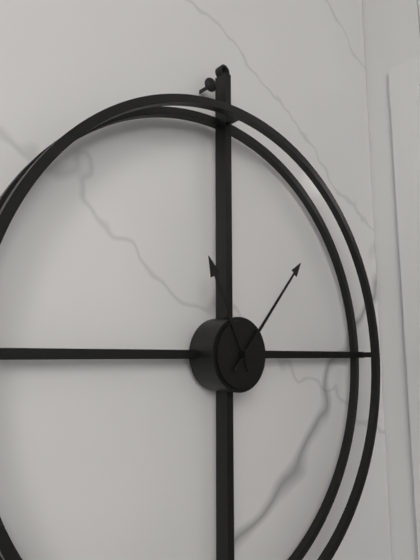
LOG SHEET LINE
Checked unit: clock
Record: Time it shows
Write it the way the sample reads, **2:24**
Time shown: **11:07**
